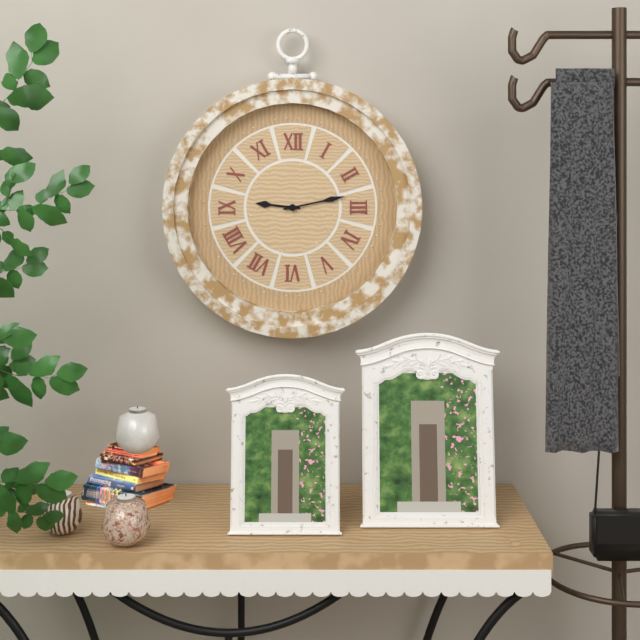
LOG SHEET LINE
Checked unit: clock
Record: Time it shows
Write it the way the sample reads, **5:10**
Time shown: **9:13**
